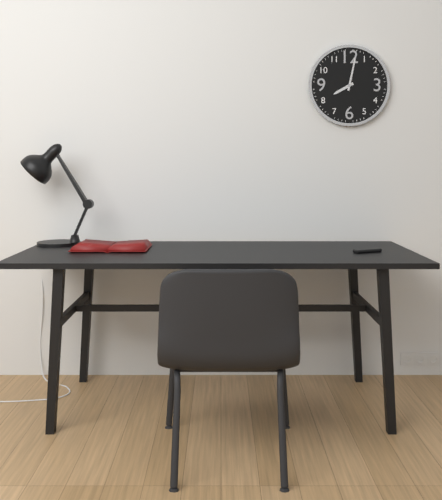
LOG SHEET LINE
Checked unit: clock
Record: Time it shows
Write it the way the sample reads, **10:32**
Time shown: **8:02**
